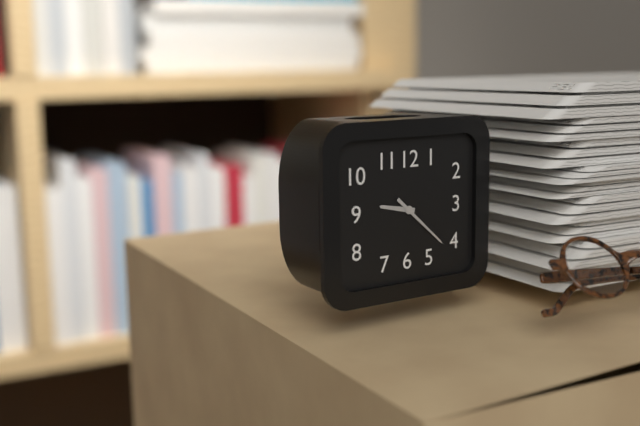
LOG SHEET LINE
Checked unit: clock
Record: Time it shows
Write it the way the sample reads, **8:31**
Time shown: **9:22**
